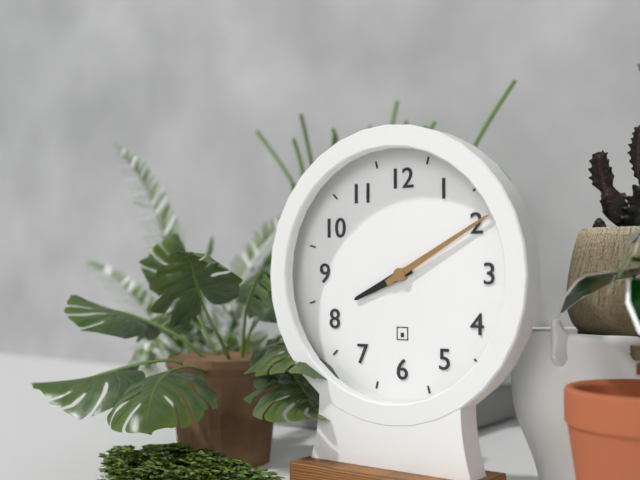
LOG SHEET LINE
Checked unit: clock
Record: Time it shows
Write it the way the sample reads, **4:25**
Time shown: **8:10**
